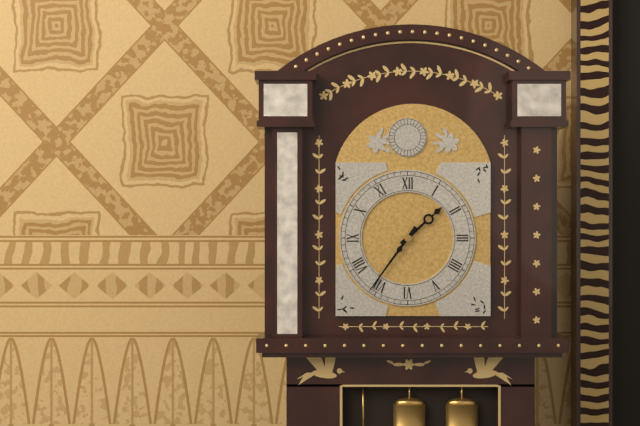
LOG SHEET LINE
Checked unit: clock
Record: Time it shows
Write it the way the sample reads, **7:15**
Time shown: **1:36**
